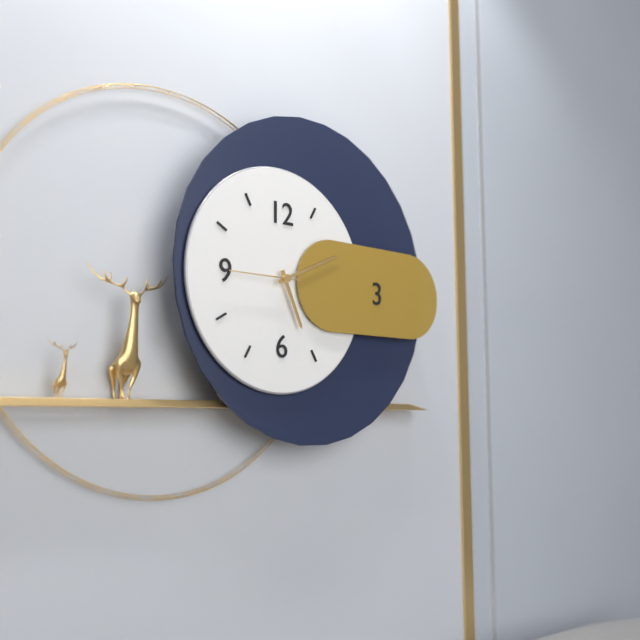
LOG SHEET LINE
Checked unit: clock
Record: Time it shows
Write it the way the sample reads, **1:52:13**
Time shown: **5:11:45**
